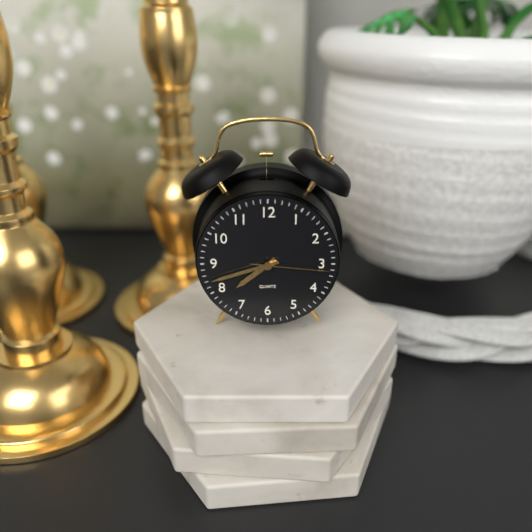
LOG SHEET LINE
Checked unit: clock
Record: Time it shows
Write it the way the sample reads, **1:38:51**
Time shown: **7:42:16**
